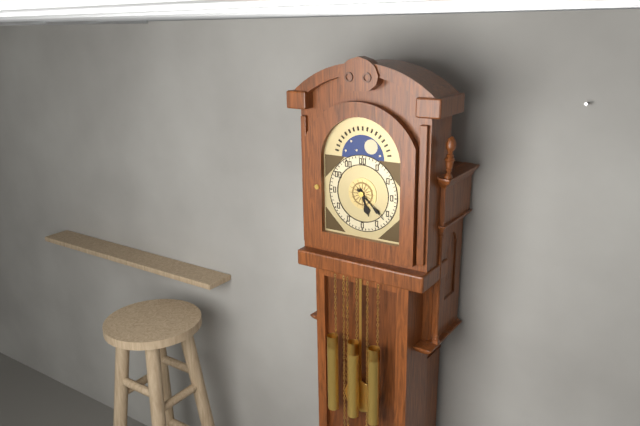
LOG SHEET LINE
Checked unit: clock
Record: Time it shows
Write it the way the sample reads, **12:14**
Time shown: **5:22**
